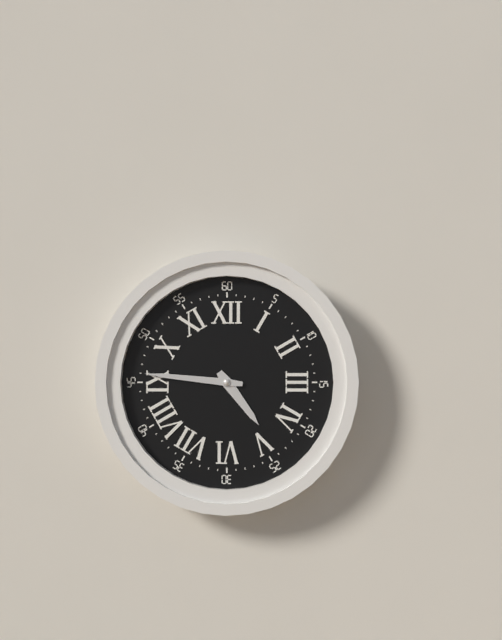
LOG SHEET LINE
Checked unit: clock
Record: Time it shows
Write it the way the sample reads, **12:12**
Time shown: **4:46**
